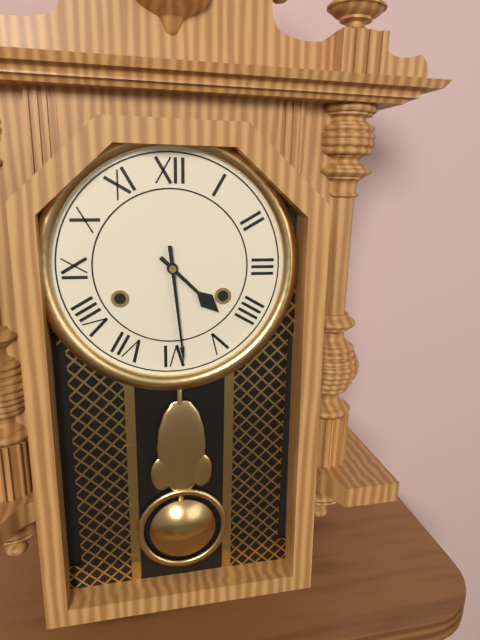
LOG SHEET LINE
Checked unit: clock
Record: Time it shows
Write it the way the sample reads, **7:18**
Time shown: **4:29**
